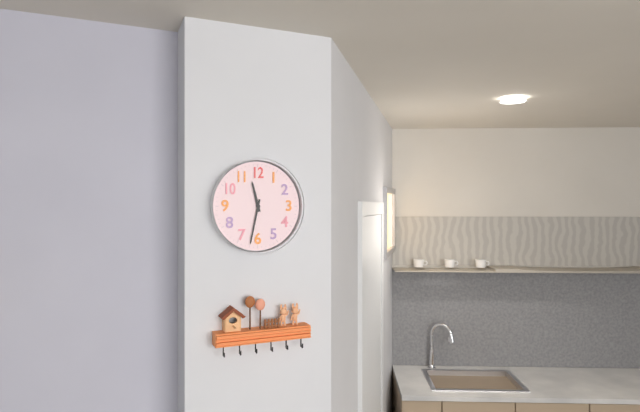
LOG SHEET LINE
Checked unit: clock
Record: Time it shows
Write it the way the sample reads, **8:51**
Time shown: **11:32**
